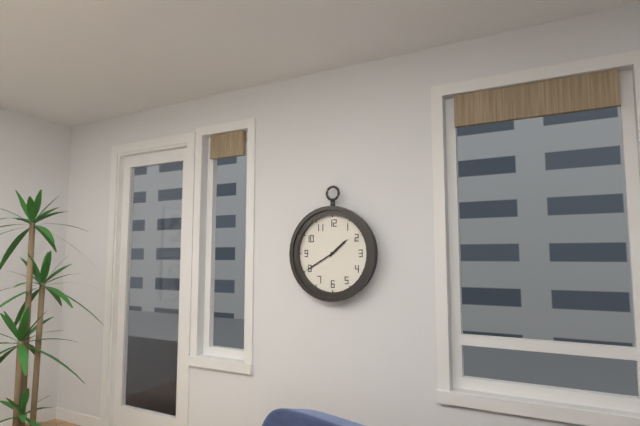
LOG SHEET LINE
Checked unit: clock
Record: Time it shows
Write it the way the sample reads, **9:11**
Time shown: **1:40**
